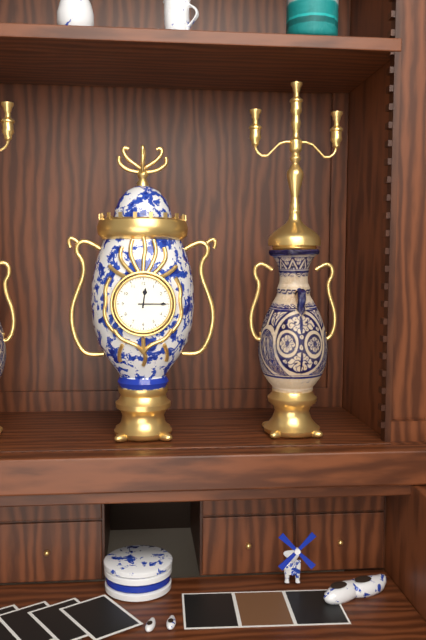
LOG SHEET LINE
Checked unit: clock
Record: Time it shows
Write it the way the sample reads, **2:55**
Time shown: **12:15**
